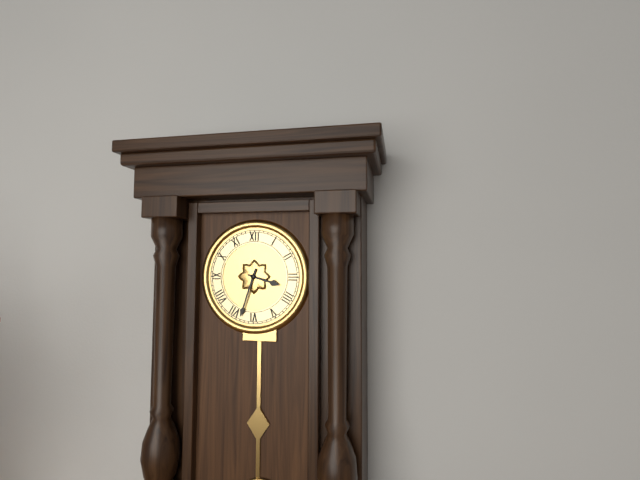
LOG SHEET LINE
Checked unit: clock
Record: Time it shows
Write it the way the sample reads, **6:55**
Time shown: **3:33**
